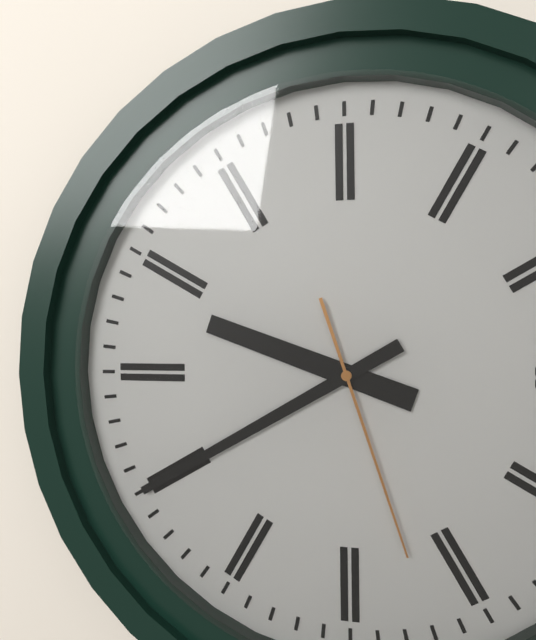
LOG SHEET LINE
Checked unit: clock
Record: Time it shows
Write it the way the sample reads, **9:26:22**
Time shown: **9:40:27**
